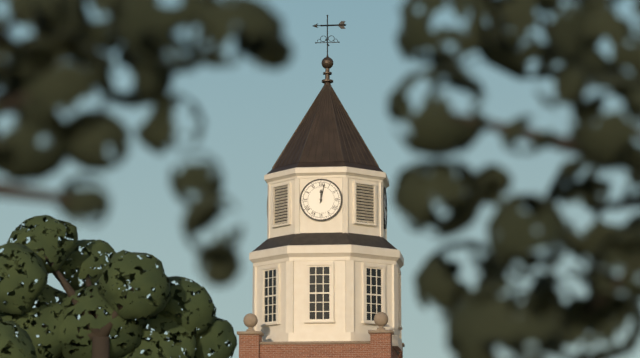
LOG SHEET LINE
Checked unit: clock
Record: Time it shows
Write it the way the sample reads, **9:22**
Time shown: **12:02**
